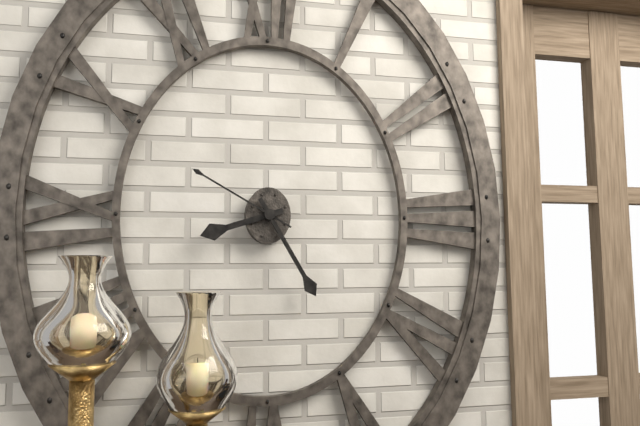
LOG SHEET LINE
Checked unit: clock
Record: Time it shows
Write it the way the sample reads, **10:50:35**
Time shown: **8:25:50**
